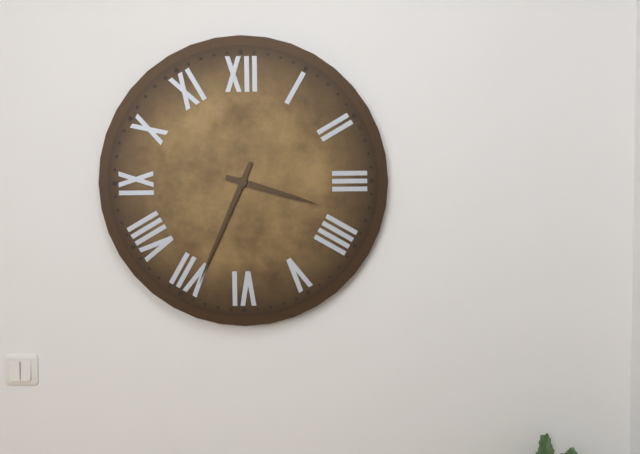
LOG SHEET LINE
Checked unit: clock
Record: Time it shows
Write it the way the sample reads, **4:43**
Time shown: **3:34**
